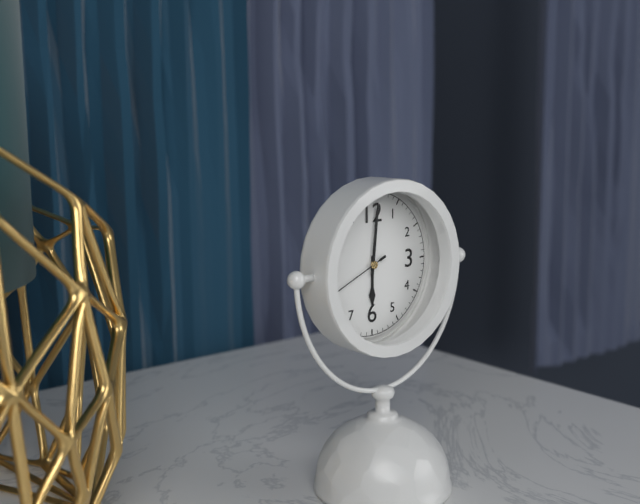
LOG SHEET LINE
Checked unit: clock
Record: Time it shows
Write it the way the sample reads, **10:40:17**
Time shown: **6:01:41**
